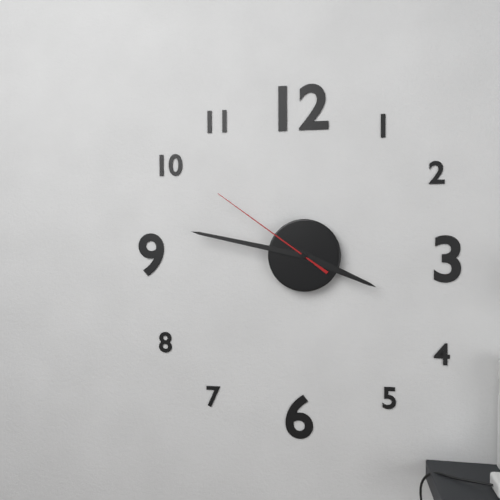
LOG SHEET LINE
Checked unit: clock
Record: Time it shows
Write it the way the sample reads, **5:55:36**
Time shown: **3:47:51**
